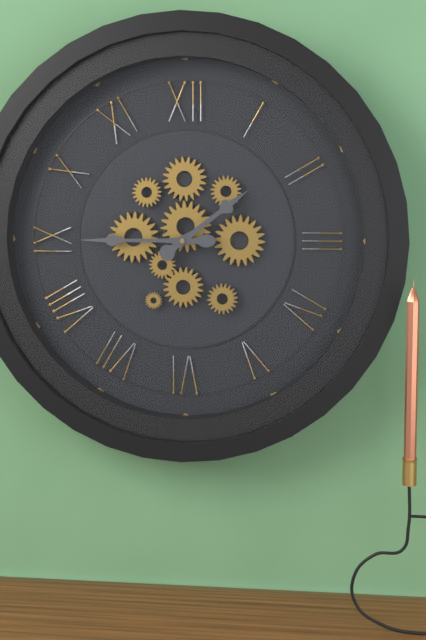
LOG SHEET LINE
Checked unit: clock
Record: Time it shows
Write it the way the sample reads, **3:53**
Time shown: **1:45**
